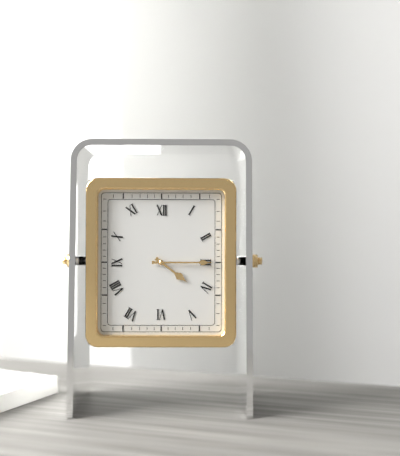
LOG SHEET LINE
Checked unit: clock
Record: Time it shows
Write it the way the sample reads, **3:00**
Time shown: **4:15**
